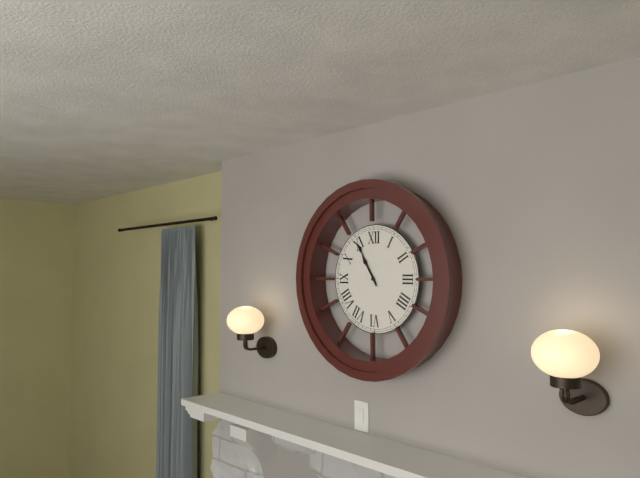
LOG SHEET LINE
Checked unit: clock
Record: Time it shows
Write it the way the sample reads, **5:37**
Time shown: **10:55**
